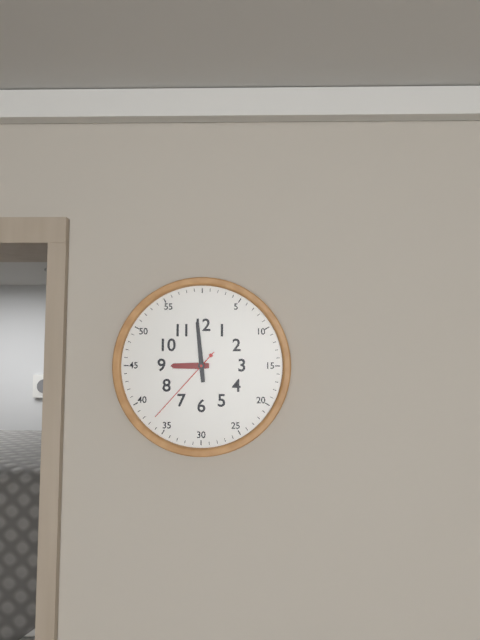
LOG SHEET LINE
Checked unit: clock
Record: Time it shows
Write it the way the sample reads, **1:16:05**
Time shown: **8:59:37**
